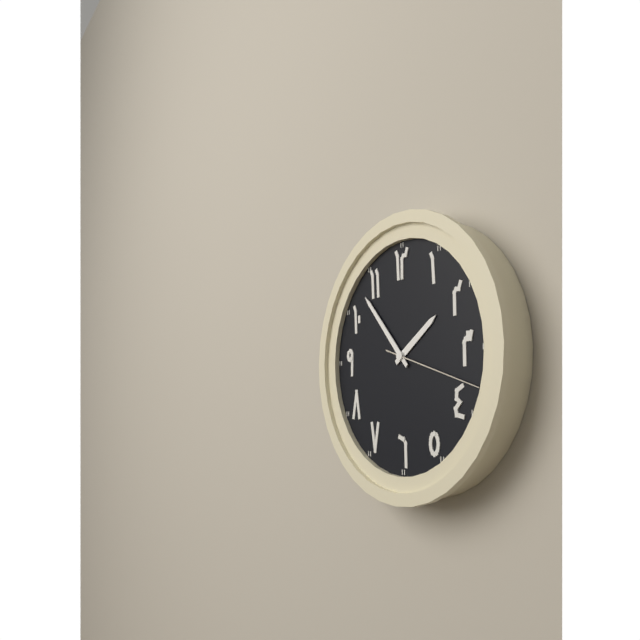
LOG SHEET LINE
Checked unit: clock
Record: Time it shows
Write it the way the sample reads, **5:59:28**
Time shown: **1:53:18**
